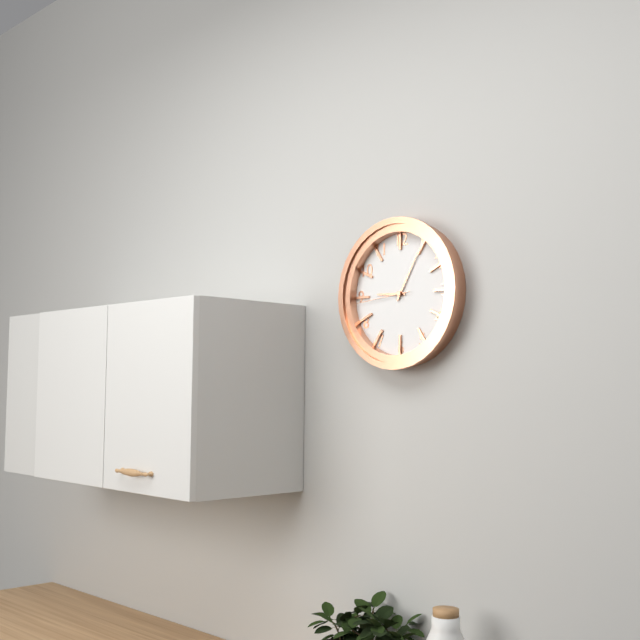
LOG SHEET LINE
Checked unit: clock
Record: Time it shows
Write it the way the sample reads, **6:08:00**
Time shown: **9:05:44**
